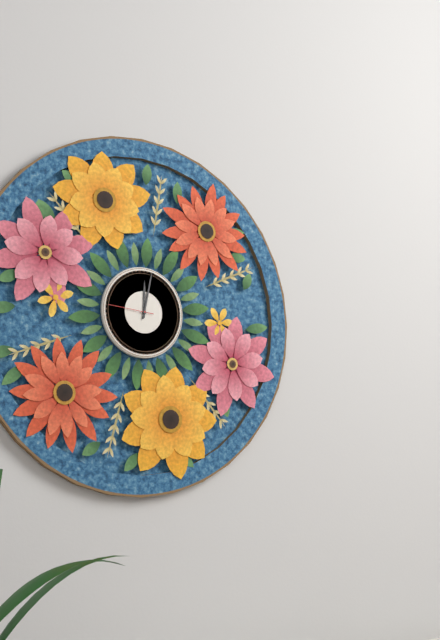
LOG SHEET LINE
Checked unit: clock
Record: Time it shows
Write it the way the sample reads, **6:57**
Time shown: **12:02**
